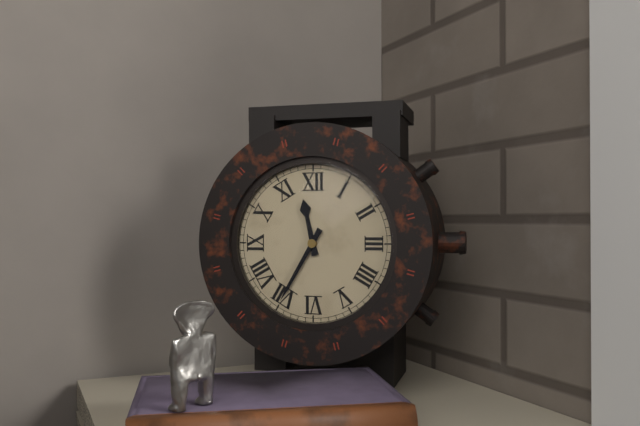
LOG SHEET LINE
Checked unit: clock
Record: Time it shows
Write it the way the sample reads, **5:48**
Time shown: **11:35**
